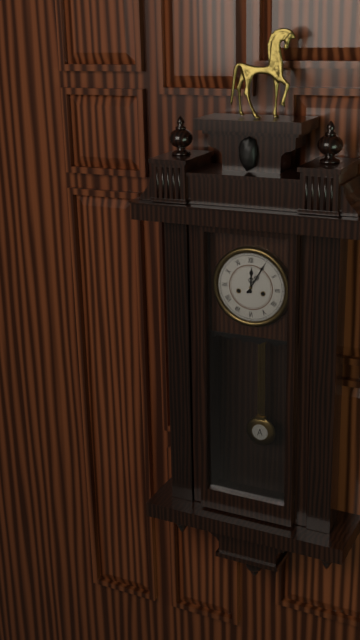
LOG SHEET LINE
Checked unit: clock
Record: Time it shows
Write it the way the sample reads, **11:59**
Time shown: **12:05**
